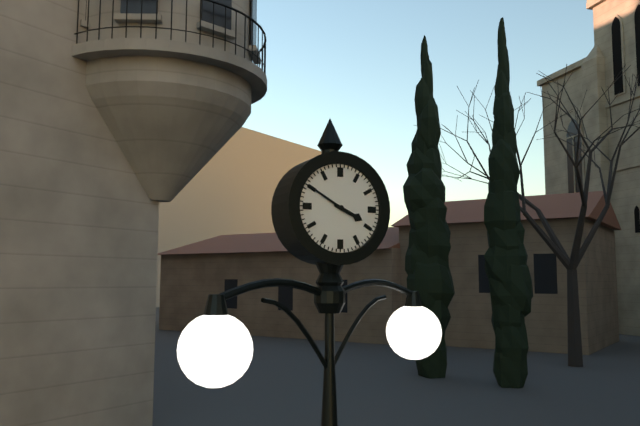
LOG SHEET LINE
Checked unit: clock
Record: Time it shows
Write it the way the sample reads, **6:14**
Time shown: **3:50**
